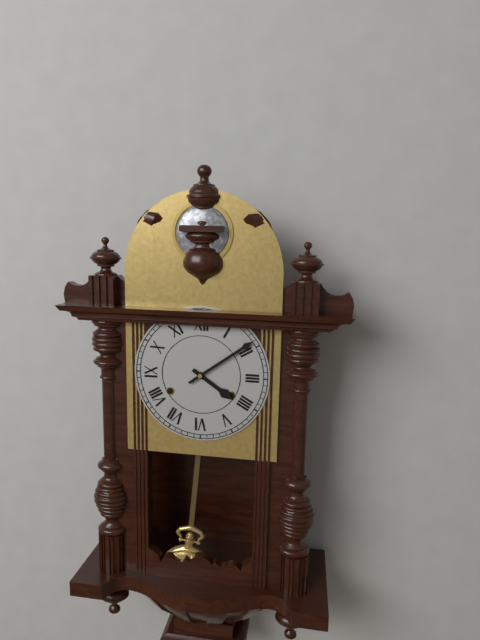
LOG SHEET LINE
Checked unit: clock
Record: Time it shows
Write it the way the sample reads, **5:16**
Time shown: **4:09**
